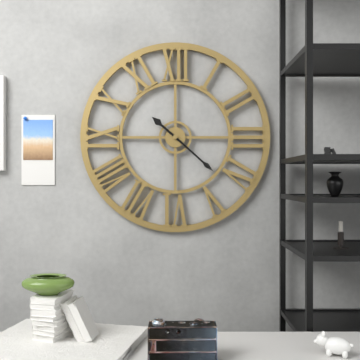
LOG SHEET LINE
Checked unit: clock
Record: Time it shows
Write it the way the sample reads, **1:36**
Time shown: **10:22**
